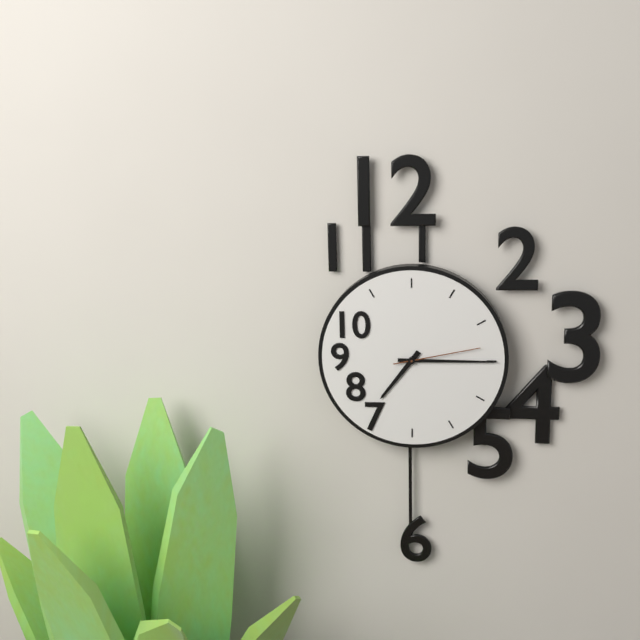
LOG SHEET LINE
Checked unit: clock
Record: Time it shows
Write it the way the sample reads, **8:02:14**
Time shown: **7:15:13**
